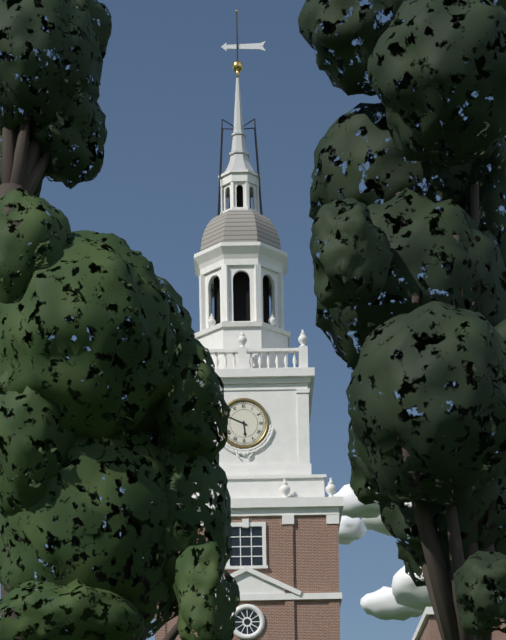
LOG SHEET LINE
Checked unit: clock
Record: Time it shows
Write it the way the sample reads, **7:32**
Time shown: **5:49**
